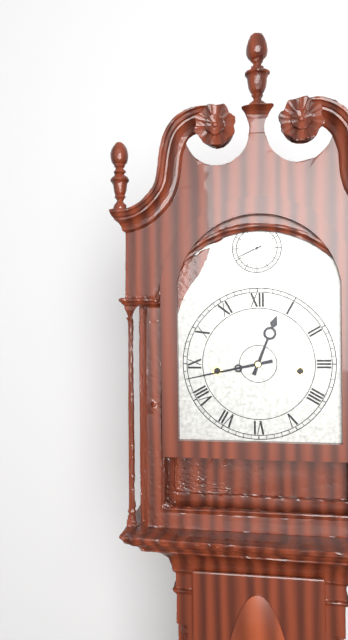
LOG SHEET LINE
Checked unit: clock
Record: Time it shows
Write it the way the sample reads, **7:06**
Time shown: **12:43**
